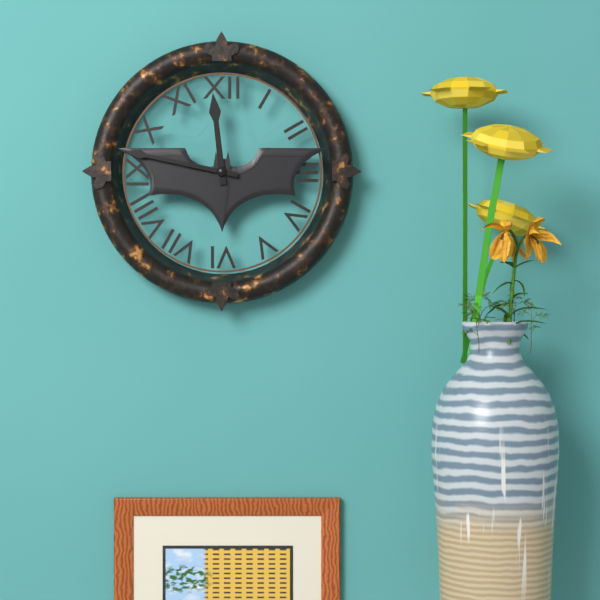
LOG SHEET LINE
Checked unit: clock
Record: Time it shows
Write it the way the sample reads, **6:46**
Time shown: **11:47**
